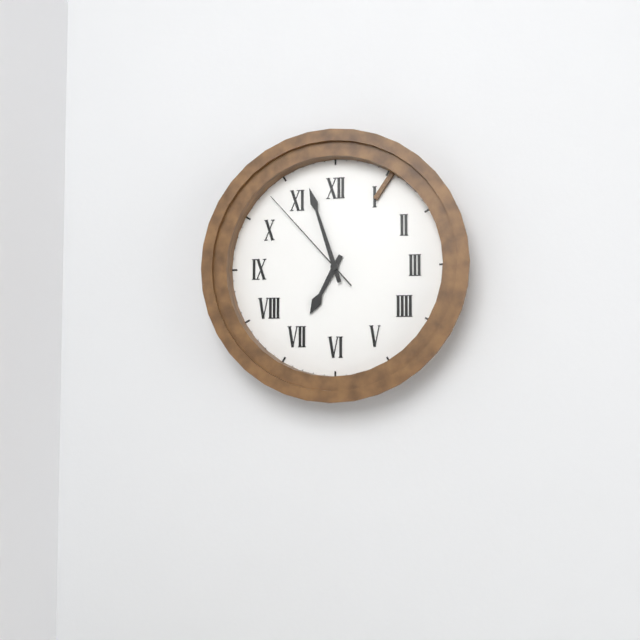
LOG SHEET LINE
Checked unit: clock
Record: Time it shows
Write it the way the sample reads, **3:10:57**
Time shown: **6:57:53**
